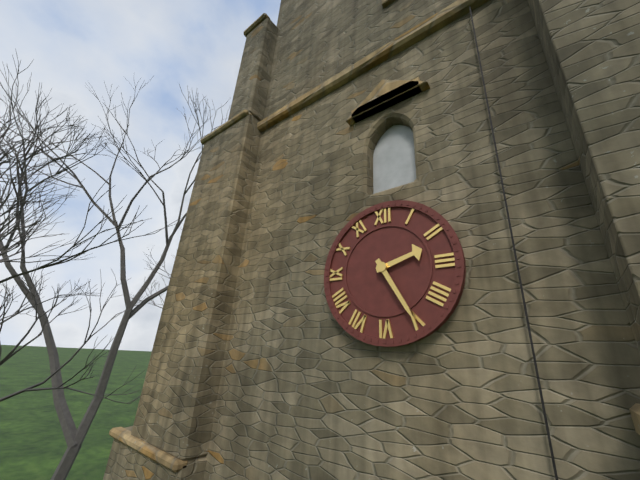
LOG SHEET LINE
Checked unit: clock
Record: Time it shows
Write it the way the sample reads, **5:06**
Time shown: **2:25**
